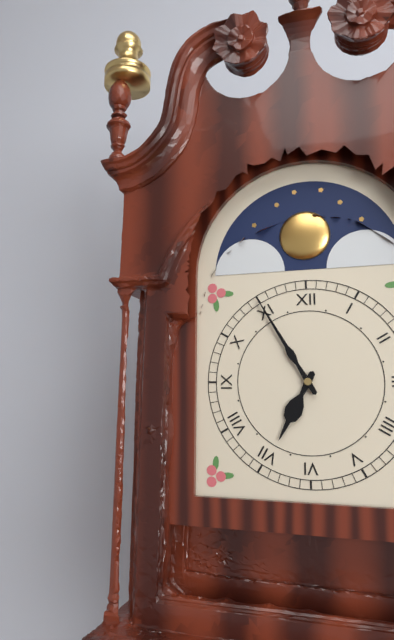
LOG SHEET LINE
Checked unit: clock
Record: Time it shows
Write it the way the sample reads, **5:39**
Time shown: **6:55**
